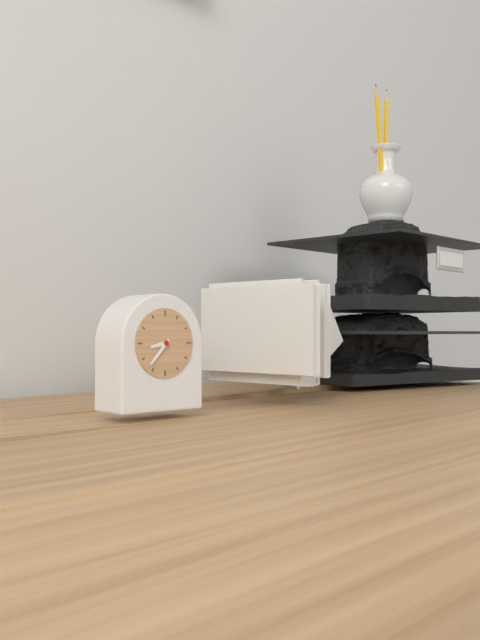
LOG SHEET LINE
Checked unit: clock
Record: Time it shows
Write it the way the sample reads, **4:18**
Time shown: **8:37**
